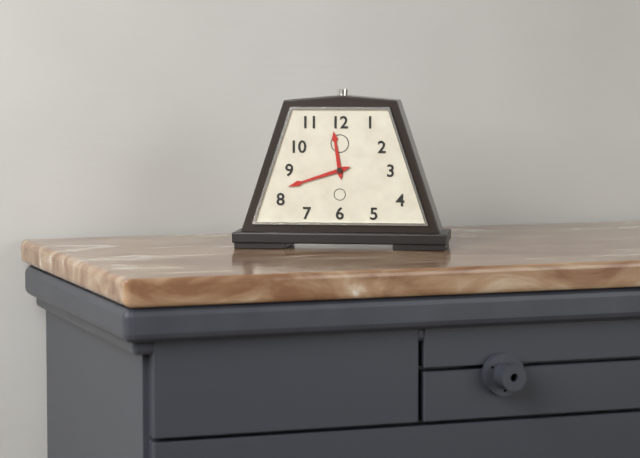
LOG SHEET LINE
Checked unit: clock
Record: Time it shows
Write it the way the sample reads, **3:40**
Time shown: **11:42**
